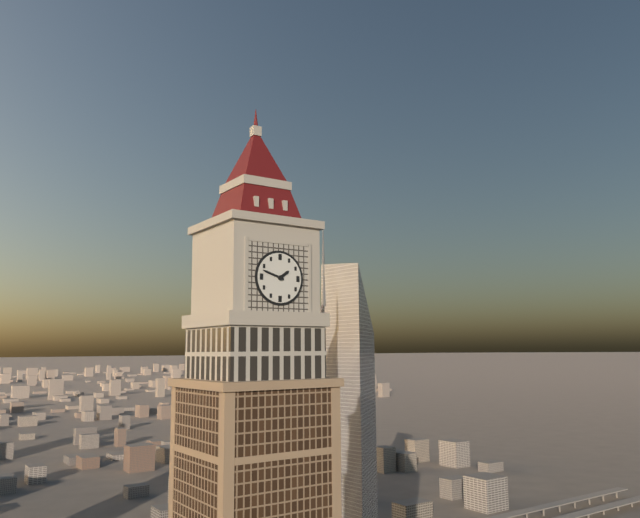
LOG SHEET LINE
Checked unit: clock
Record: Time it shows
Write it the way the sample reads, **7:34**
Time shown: **1:48**
